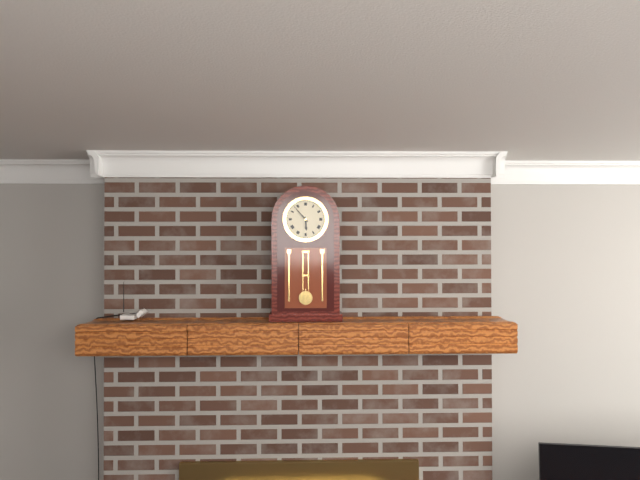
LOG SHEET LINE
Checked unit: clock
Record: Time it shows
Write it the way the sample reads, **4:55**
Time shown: **5:53**
